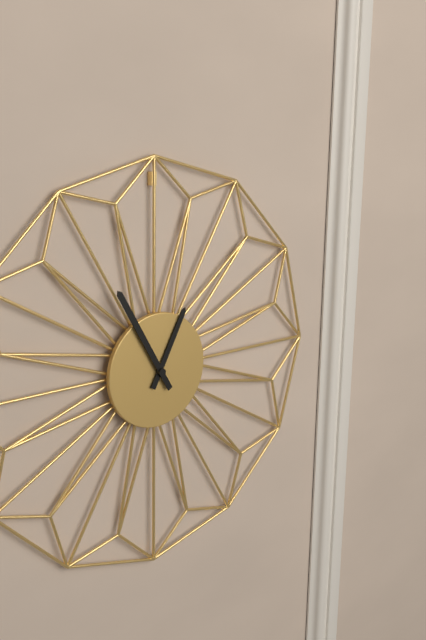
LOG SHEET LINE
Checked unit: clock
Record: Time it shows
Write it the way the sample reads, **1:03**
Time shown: **12:55**
